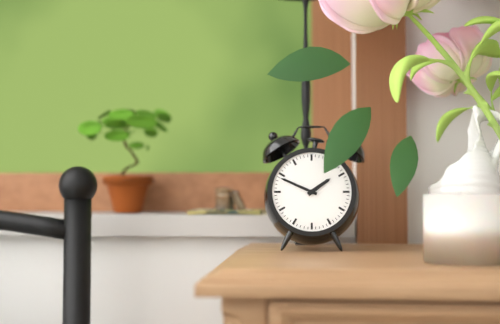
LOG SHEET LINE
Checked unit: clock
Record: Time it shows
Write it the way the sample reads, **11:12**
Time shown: **1:49**
